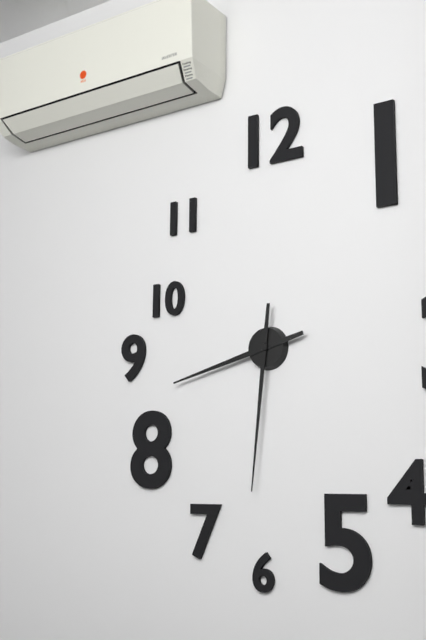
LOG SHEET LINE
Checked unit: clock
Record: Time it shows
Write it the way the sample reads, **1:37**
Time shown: **8:31**
